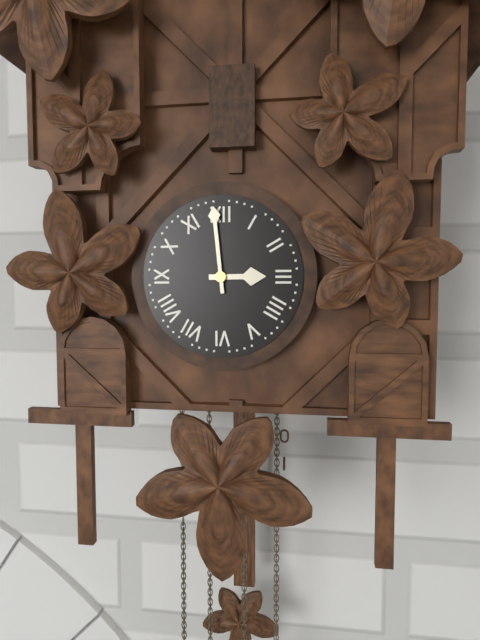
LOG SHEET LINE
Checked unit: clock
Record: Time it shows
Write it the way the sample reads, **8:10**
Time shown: **2:59**
